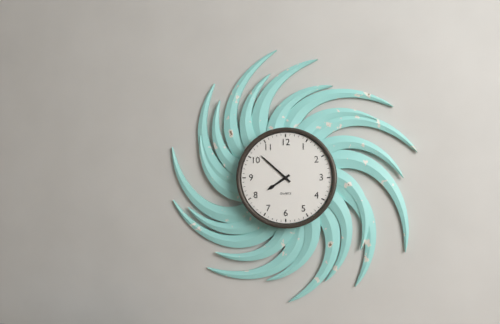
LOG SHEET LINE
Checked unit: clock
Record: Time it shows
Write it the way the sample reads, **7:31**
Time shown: **7:52**
